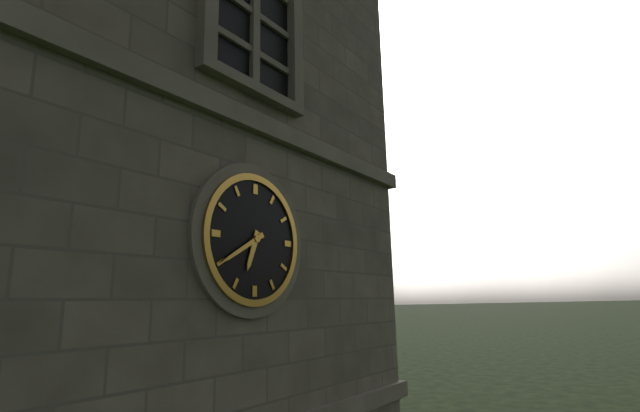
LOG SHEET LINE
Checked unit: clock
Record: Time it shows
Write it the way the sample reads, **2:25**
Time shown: **6:40**
